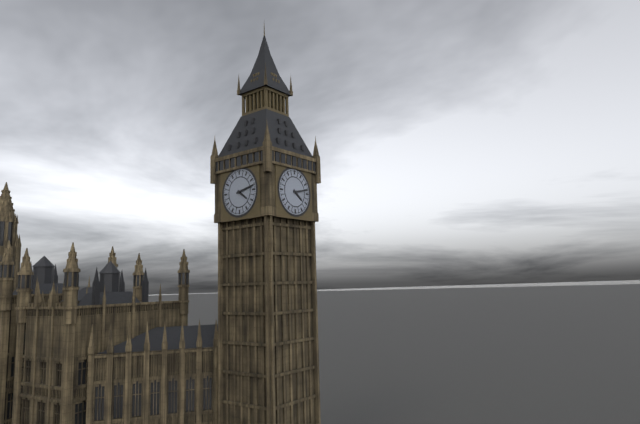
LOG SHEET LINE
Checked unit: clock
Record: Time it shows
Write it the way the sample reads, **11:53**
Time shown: **4:13**
